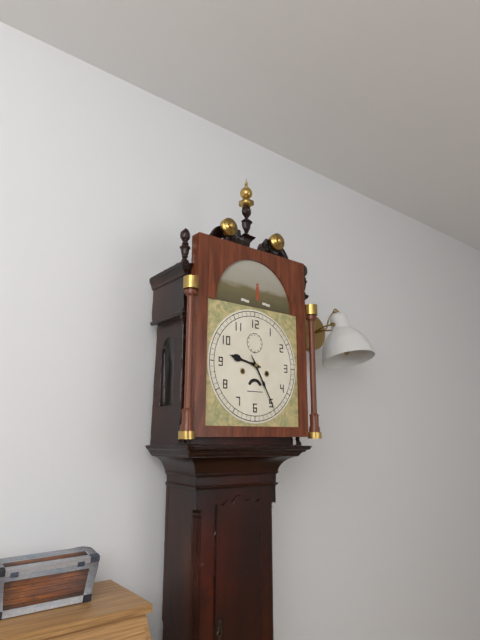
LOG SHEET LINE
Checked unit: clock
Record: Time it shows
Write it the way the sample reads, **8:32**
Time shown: **9:25**
